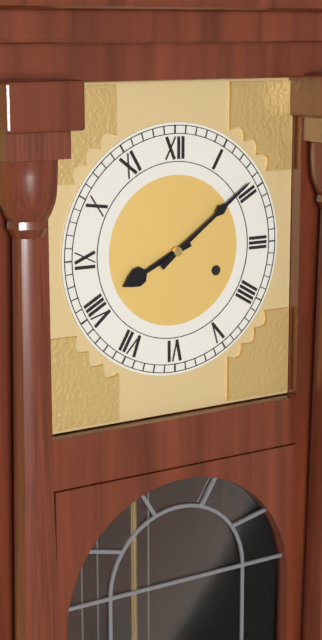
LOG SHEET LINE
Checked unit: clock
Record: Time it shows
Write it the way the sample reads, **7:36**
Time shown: **8:09**
